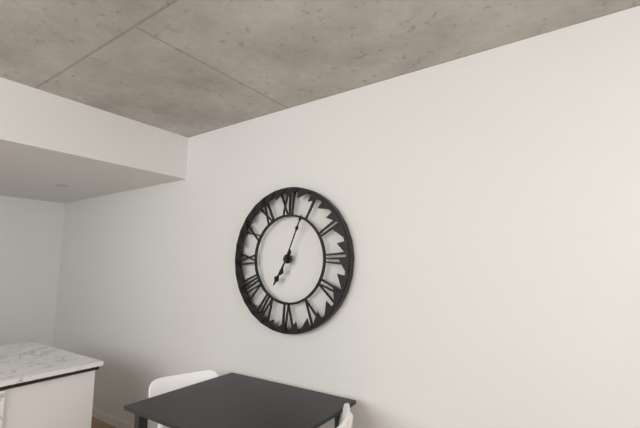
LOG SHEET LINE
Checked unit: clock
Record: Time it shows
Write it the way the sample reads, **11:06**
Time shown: **7:04**
